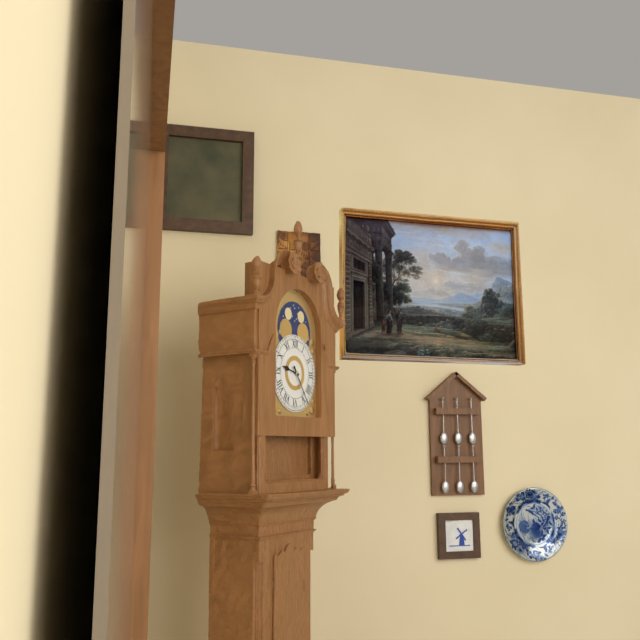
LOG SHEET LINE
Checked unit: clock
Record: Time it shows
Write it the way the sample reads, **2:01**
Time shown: **9:24**
